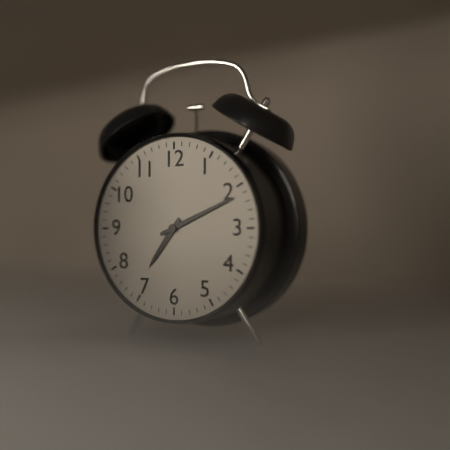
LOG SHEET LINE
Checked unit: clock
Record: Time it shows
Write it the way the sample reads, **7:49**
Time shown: **7:11**
